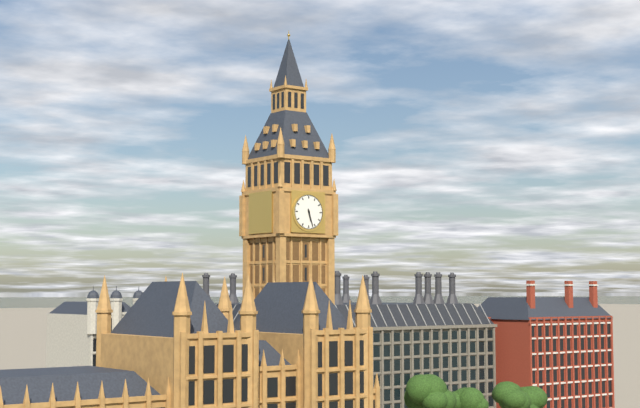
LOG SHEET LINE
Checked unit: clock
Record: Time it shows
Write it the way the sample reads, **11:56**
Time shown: **5:27**
